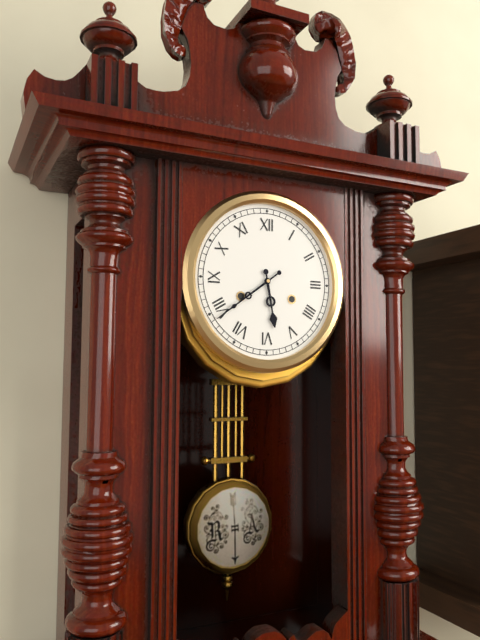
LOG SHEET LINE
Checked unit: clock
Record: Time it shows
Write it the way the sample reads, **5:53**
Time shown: **5:39**
